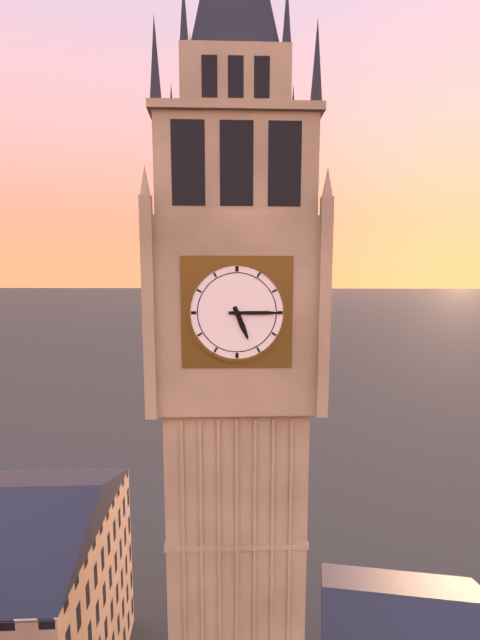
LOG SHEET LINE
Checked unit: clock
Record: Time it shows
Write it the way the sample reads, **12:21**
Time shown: **5:15**
